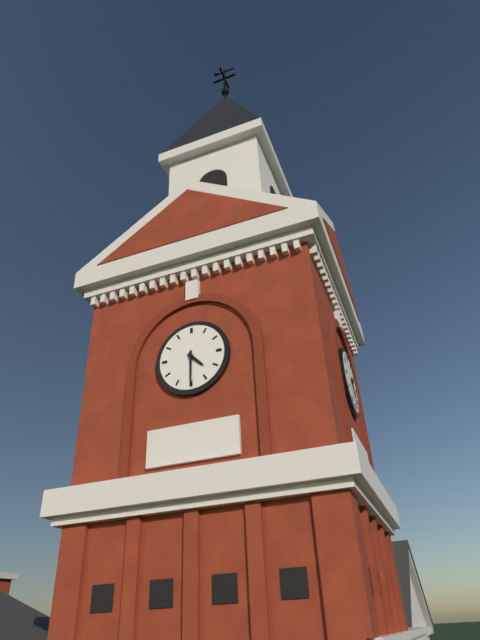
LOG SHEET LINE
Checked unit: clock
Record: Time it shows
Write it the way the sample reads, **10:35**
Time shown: **4:30**
